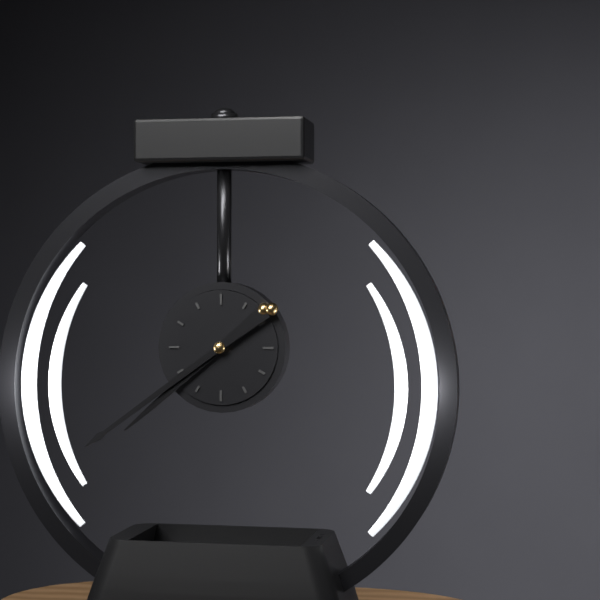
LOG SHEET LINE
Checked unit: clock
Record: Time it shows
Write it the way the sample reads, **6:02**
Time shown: **7:39**
